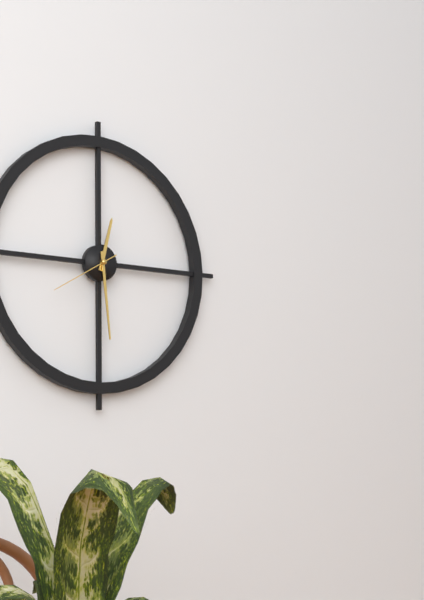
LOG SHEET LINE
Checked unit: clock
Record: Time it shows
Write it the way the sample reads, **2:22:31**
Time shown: **12:29:40**
